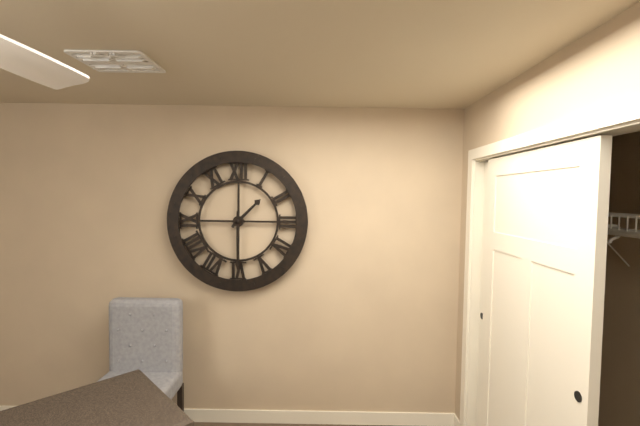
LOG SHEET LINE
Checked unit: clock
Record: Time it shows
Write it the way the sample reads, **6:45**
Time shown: **1:30**
